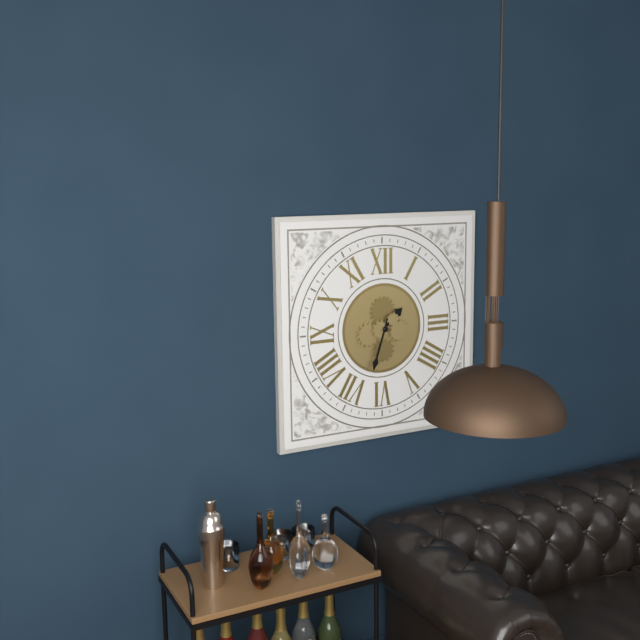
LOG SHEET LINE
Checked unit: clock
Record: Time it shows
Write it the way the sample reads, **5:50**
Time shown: **1:33**
